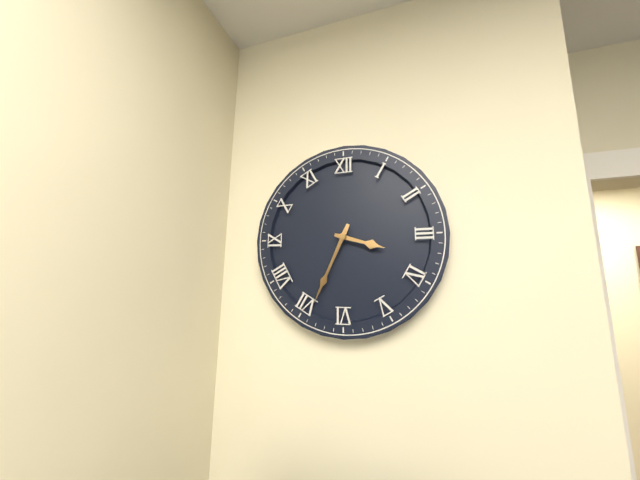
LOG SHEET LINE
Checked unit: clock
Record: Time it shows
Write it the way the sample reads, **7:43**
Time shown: **3:34**
